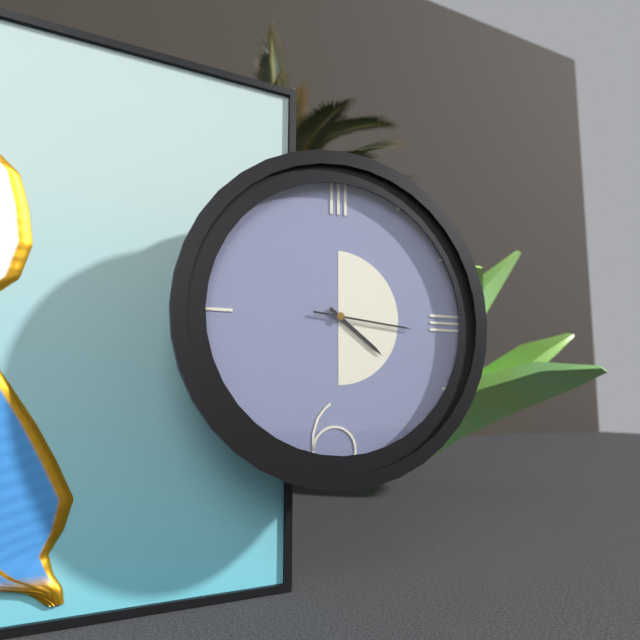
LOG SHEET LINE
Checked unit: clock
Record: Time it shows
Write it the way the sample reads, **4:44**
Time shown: **4:16**
